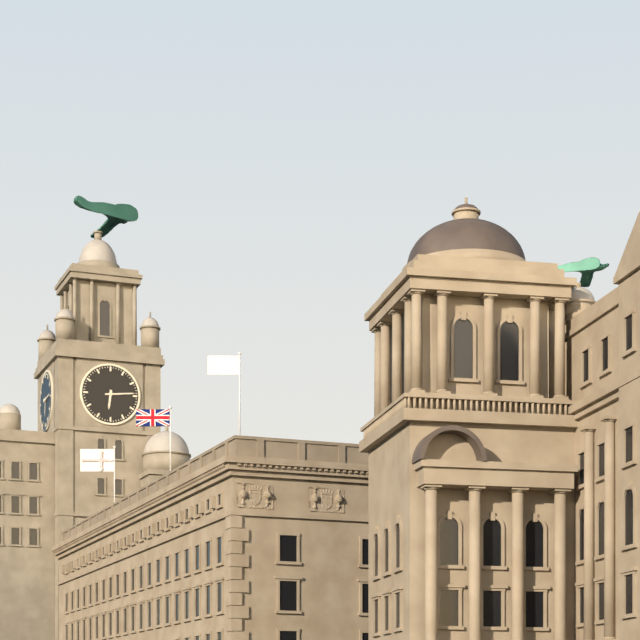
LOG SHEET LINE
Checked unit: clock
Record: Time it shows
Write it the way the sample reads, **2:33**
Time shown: **6:14**
